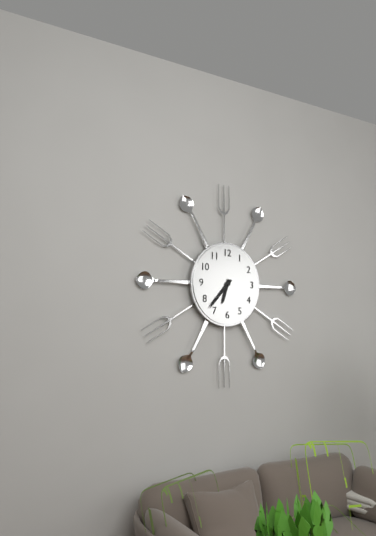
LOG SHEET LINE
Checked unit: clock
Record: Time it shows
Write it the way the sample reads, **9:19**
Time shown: **6:37**
